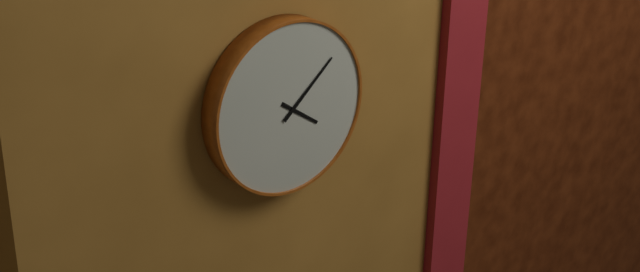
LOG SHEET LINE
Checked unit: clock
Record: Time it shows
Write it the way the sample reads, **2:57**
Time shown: **4:08**
